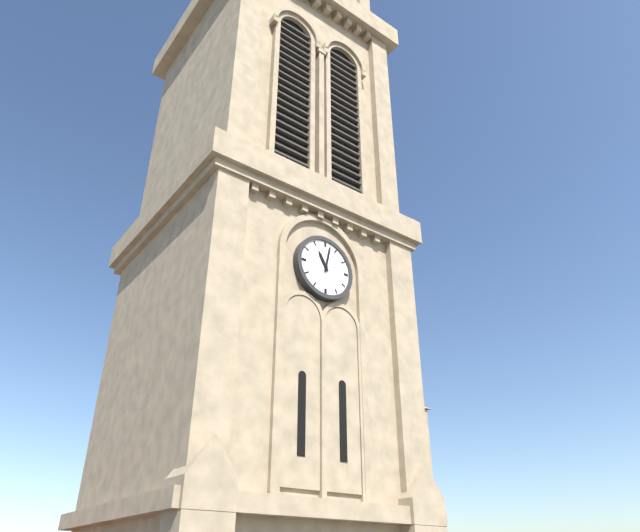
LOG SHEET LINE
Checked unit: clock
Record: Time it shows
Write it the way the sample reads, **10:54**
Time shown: **11:02**
